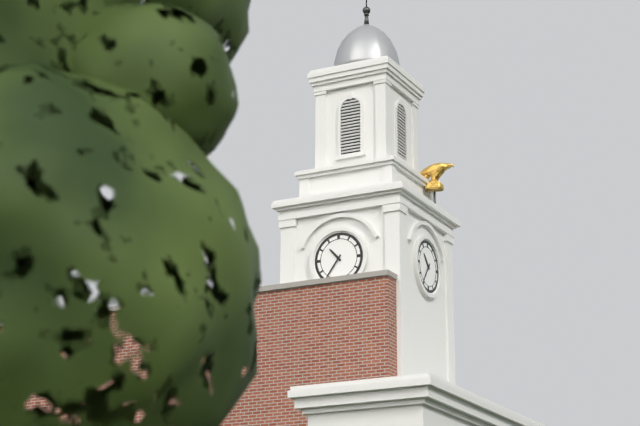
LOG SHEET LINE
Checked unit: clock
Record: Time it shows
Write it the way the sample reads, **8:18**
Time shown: **10:36**
